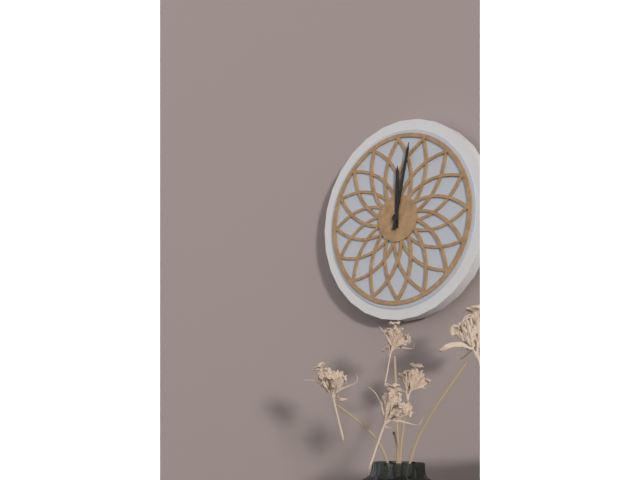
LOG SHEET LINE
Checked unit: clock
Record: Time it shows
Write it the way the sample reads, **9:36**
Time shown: **12:02**
